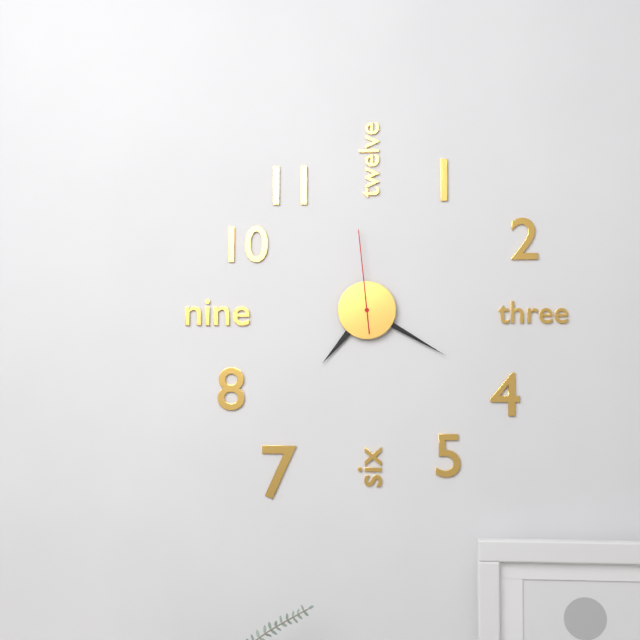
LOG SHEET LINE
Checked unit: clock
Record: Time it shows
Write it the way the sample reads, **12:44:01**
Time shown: **7:20:59**
